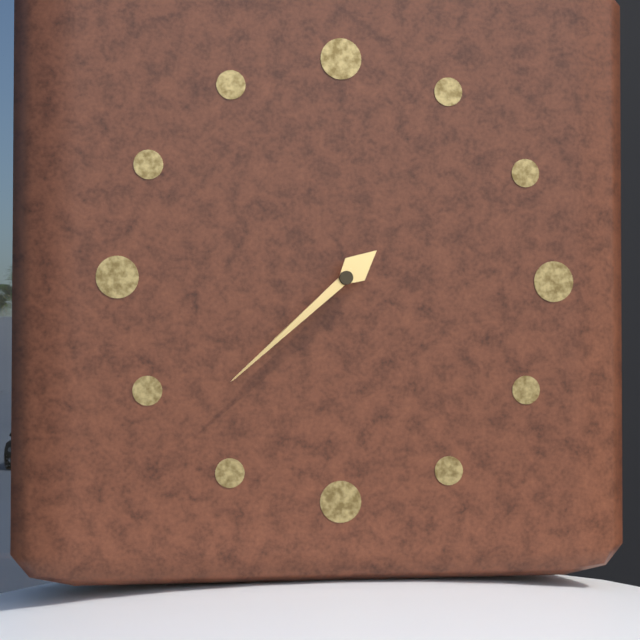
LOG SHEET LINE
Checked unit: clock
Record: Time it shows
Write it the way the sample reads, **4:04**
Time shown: **7:38**
